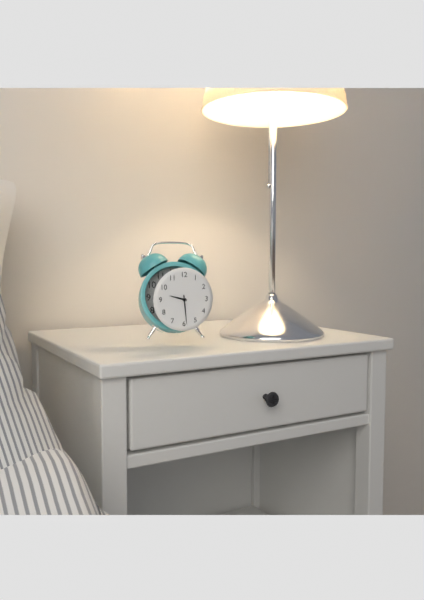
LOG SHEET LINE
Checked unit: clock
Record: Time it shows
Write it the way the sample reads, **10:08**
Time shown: **9:29**
